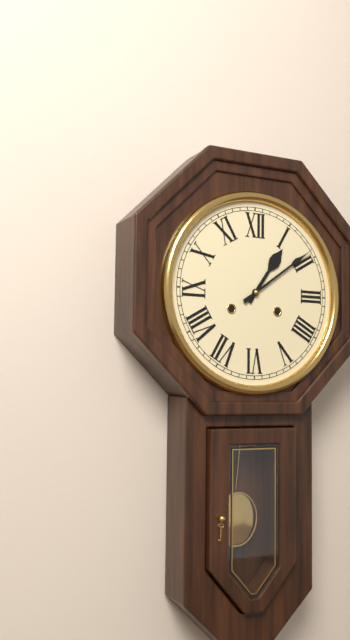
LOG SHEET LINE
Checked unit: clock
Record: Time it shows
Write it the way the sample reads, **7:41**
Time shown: **1:09**
